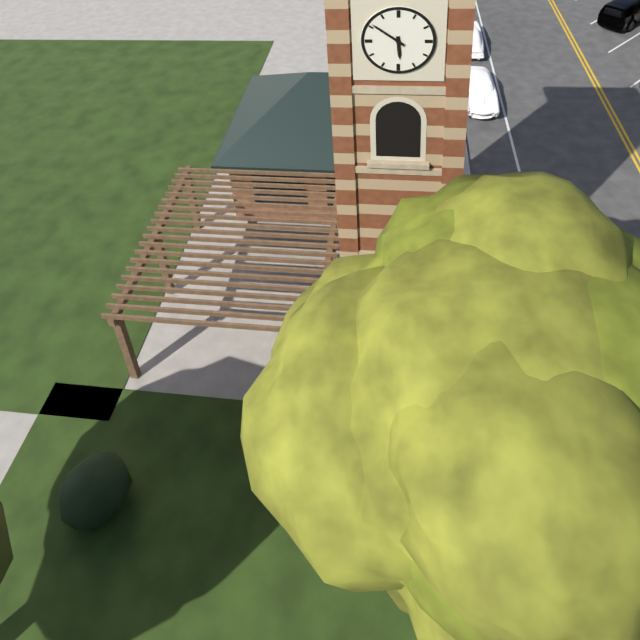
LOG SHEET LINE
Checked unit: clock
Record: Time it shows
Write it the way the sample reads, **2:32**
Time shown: **5:51**
